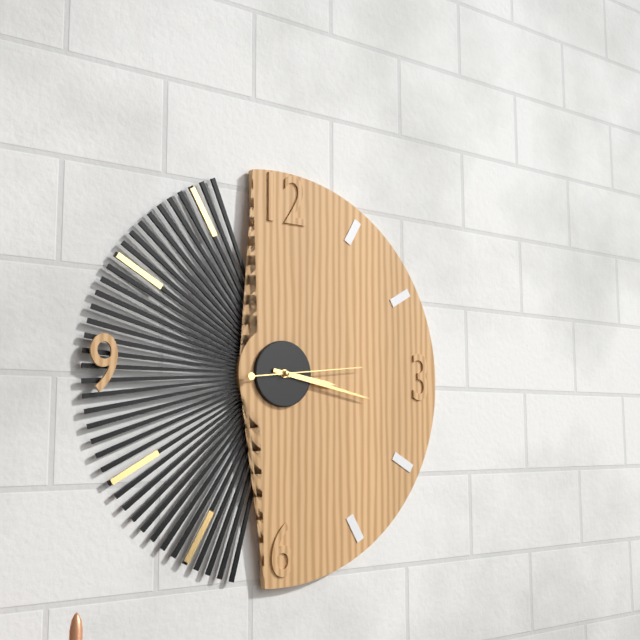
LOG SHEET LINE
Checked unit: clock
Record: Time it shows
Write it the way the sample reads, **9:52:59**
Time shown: **3:17:14**
